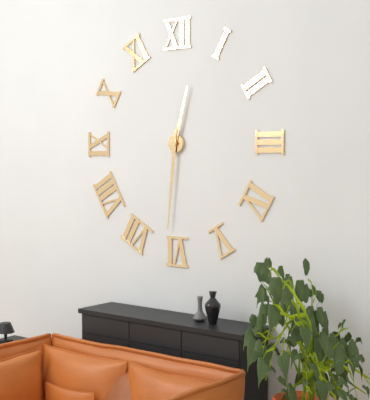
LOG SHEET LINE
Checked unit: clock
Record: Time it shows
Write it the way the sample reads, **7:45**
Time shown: **12:31**
